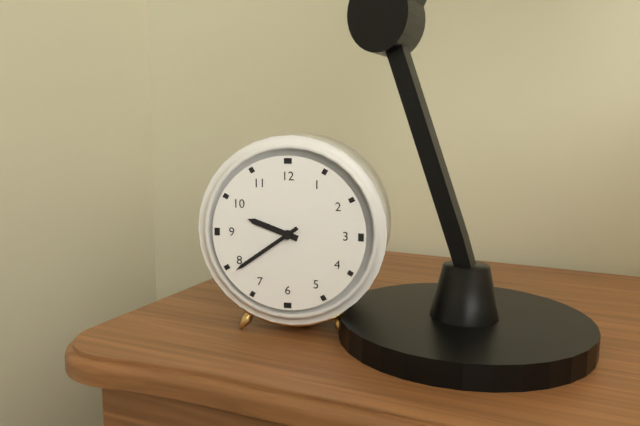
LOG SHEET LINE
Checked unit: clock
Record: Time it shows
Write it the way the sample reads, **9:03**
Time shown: **9:39**
